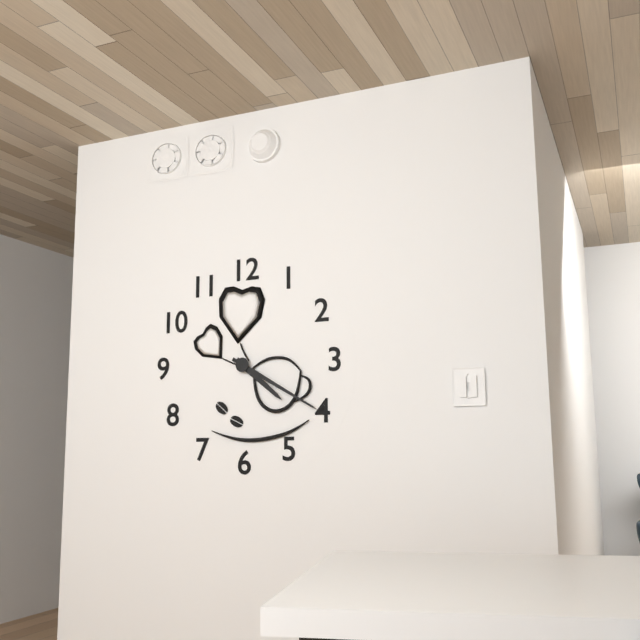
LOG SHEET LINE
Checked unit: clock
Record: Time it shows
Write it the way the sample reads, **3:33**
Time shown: **4:20**
